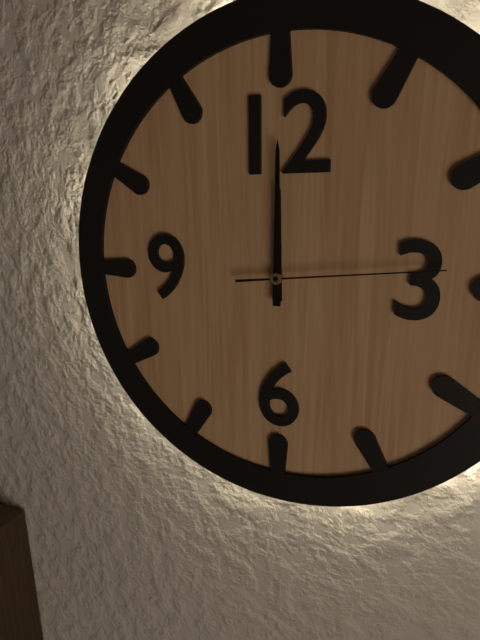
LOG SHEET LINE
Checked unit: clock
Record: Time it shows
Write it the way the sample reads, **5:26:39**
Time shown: **12:00:14**
